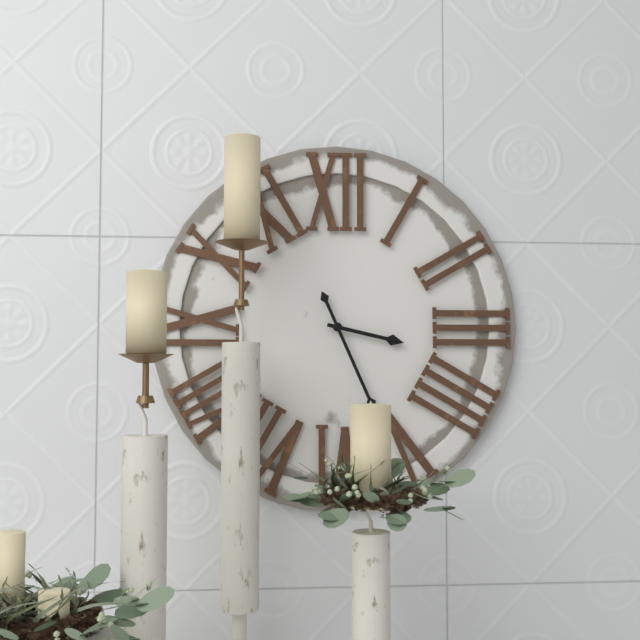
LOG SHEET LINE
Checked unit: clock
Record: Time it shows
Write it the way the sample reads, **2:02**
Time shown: **3:26**
